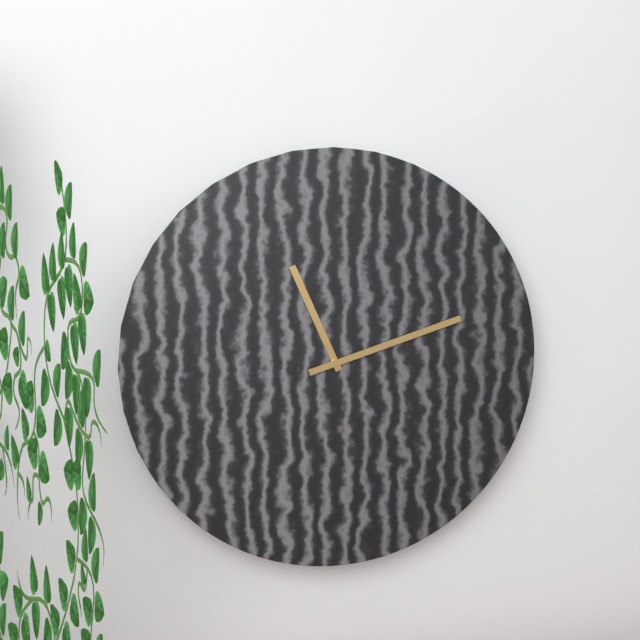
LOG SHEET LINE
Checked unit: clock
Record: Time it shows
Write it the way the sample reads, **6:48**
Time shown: **11:12**
